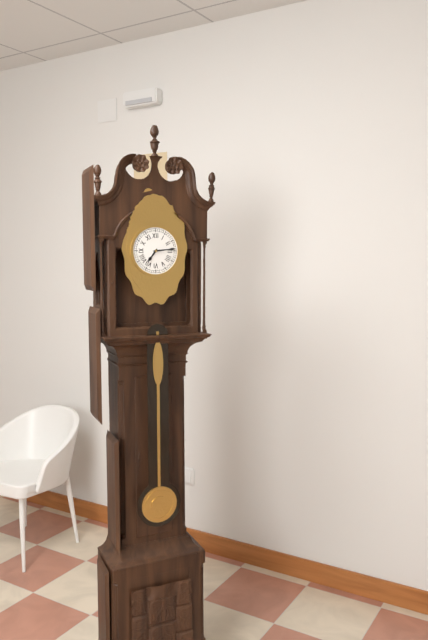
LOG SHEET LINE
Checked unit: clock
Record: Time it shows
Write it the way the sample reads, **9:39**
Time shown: **7:14**
